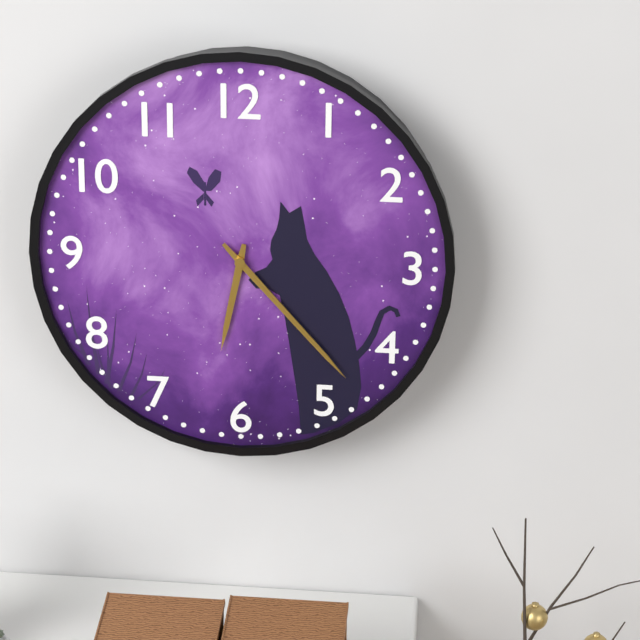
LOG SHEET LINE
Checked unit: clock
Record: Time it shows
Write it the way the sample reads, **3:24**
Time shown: **6:23**
